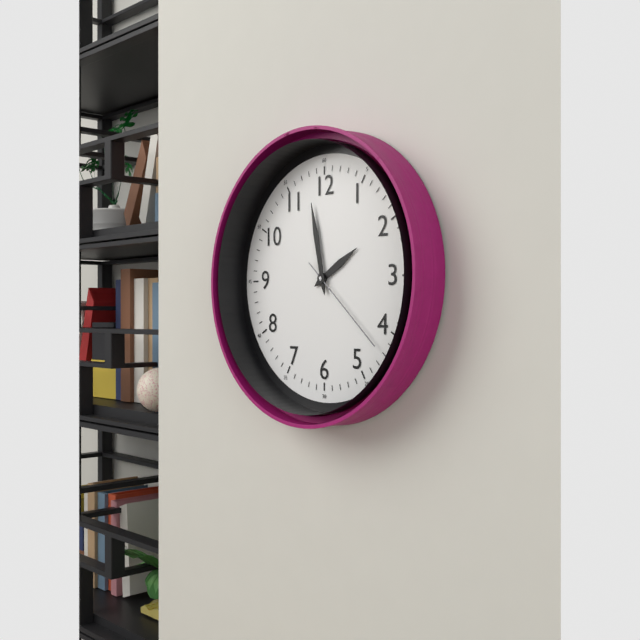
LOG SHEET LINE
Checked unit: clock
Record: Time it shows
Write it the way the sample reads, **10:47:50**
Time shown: **1:58:22**
